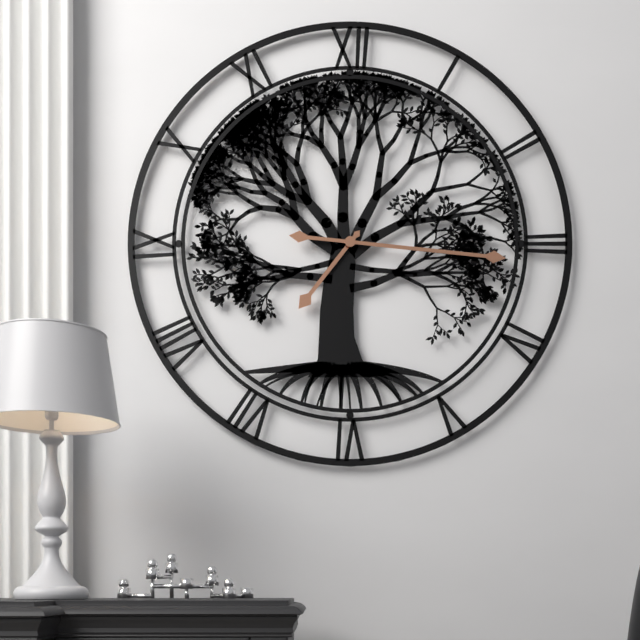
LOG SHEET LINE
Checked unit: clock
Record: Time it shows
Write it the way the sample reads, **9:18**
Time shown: **7:16**
